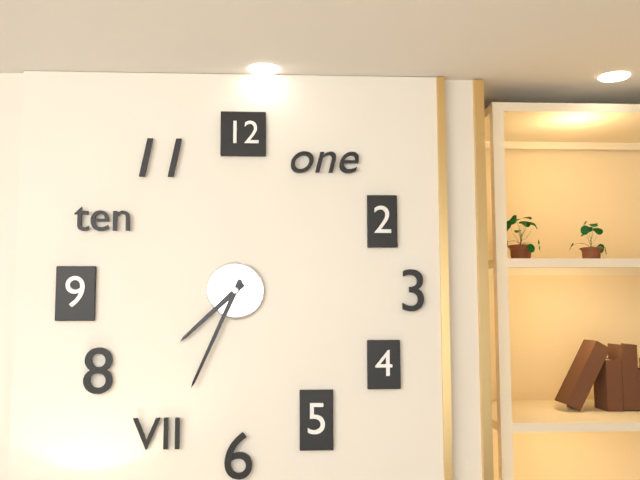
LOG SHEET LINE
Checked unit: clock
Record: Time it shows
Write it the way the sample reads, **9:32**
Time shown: **7:34**
